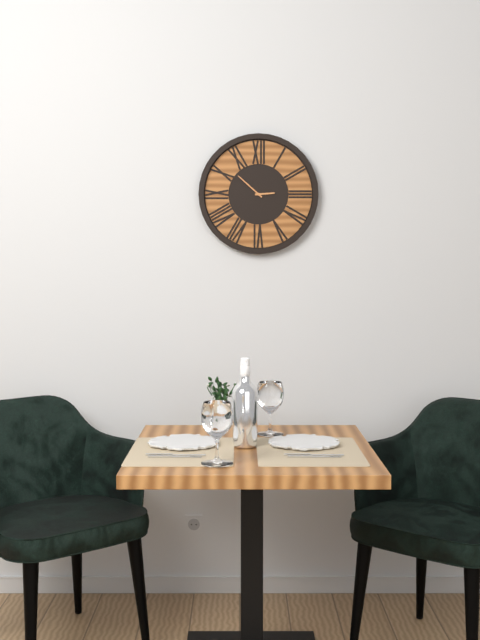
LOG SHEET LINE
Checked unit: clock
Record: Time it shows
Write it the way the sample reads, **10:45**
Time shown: **2:52**
